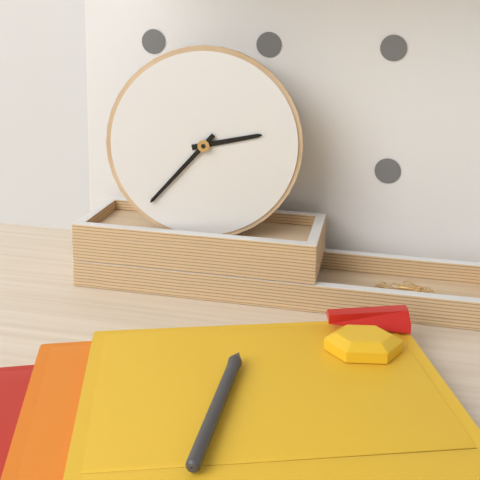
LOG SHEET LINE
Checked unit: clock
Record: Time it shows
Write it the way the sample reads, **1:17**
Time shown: **2:37**
